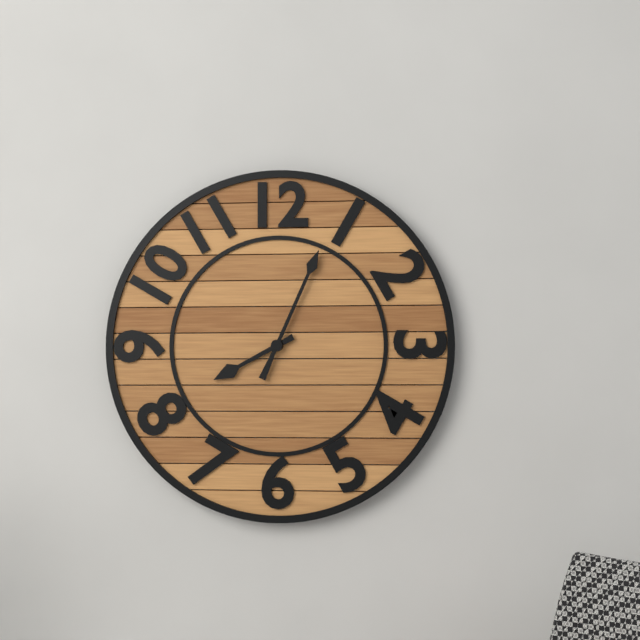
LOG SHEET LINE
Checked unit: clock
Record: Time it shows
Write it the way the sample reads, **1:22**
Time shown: **8:04**
